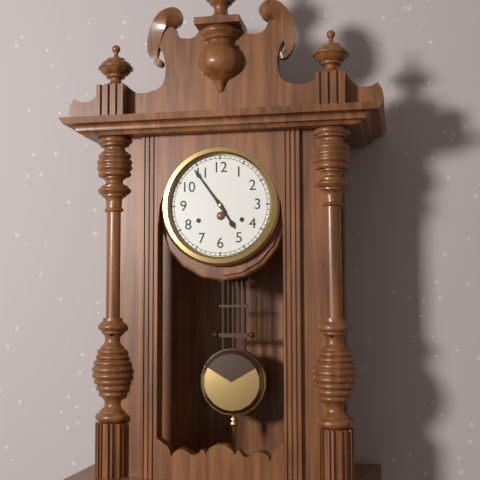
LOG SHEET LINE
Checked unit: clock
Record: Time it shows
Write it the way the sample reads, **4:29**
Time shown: **4:54**
